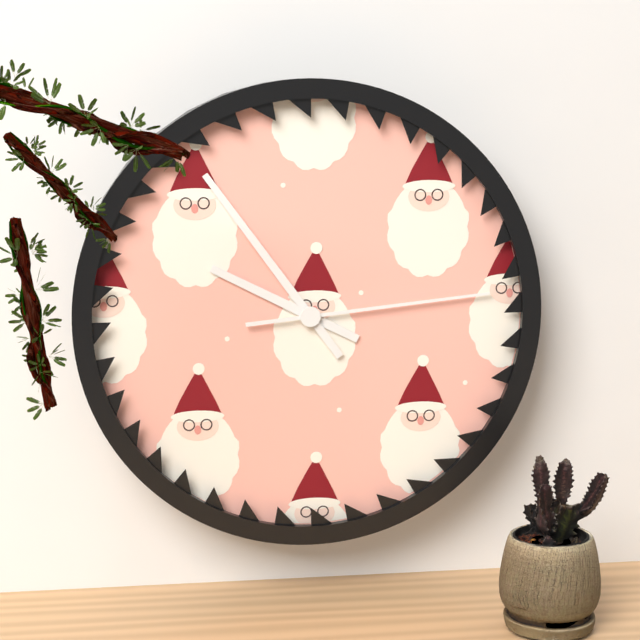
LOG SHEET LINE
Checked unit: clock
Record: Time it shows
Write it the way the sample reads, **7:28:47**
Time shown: **9:54:14**
